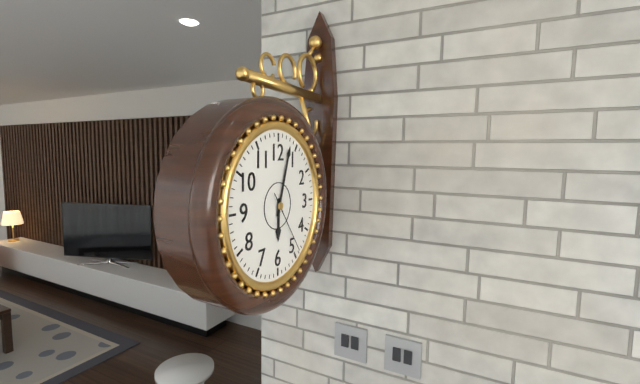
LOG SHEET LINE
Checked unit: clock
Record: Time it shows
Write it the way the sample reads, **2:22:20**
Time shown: **6:03:24**
